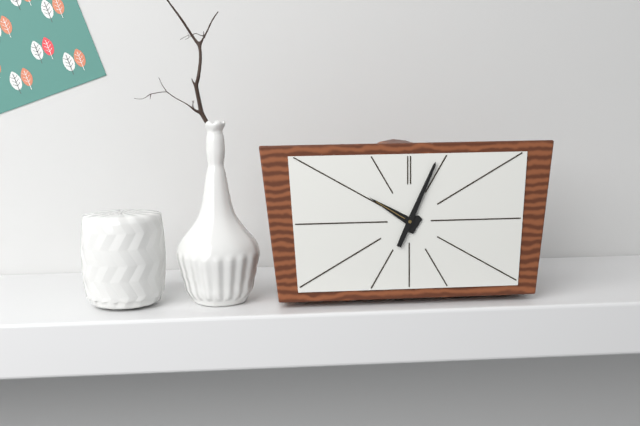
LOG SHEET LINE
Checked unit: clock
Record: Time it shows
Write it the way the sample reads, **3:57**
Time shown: **10:04**
